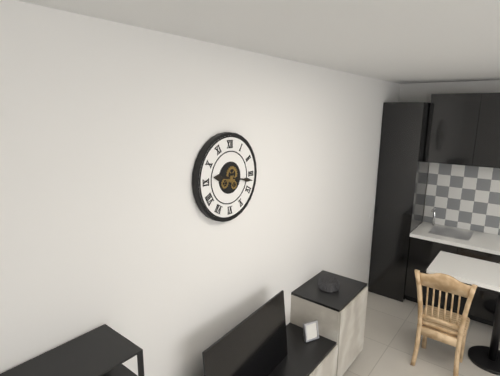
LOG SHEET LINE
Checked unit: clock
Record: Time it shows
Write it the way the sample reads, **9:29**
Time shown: **9:17**
